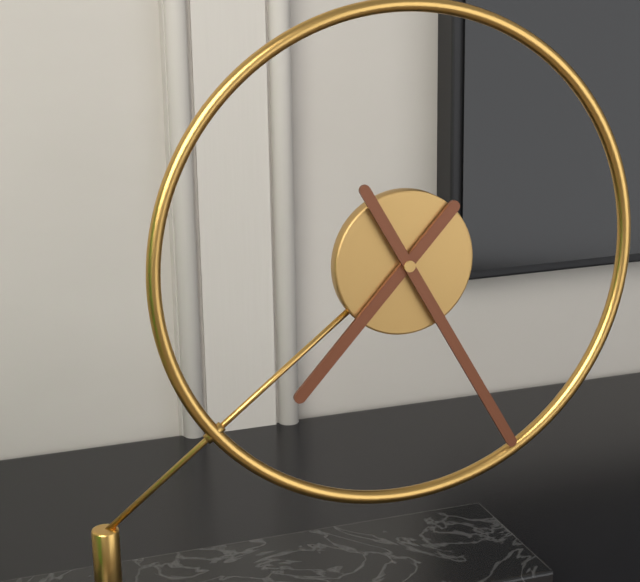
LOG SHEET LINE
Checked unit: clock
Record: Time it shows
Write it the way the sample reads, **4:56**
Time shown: **7:25**
